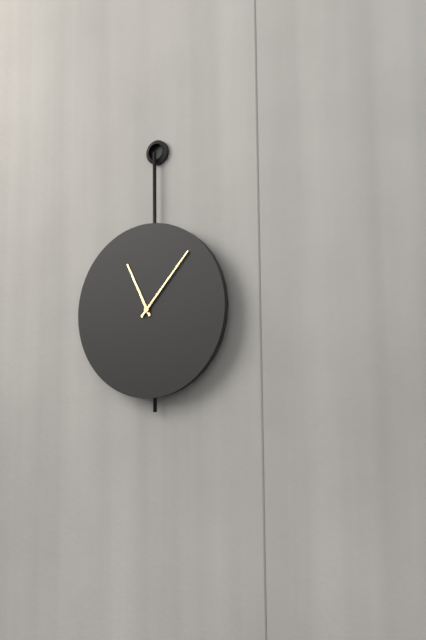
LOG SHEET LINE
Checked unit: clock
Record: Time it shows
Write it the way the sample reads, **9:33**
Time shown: **11:07**
